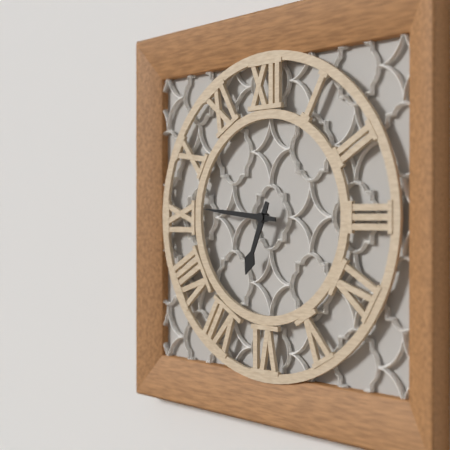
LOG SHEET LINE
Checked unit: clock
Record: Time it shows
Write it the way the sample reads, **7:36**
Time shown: **6:46**
